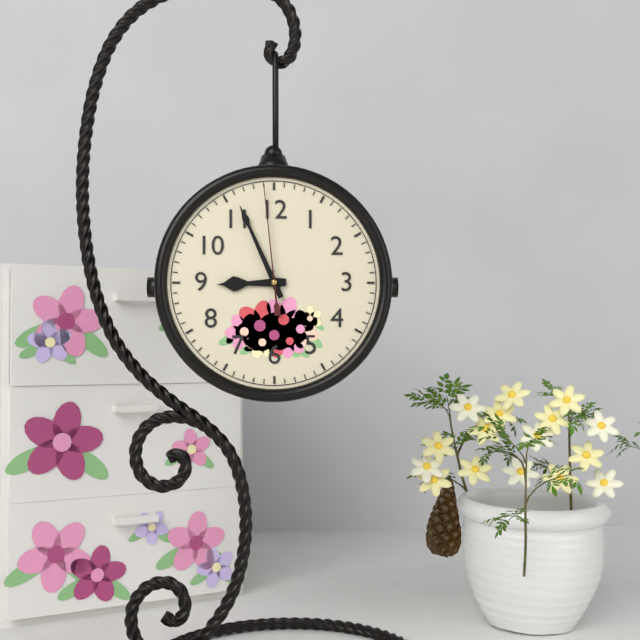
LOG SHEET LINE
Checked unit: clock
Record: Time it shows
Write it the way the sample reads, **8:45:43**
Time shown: **8:56:59**
